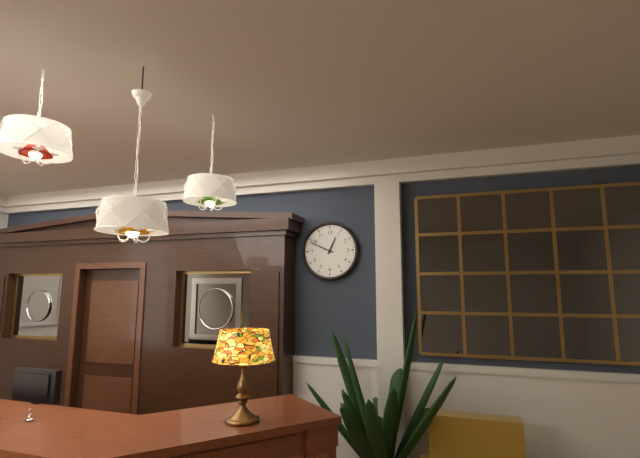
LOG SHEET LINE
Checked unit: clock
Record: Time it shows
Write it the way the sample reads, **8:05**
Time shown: **12:49**
